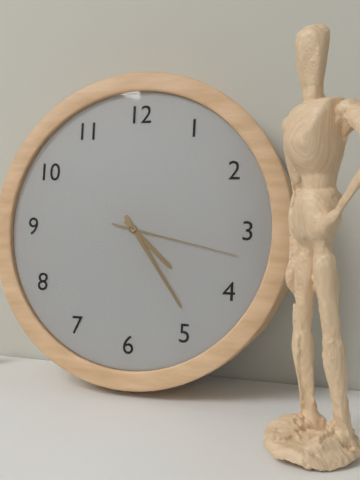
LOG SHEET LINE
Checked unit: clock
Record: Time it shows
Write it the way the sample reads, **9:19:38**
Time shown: **4:24:17**
